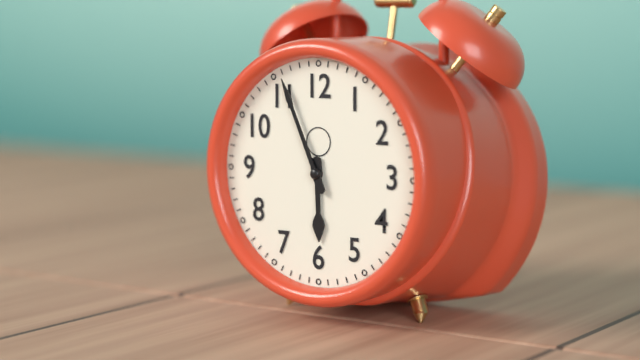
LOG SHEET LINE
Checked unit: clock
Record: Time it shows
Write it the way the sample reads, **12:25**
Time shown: **5:56**
